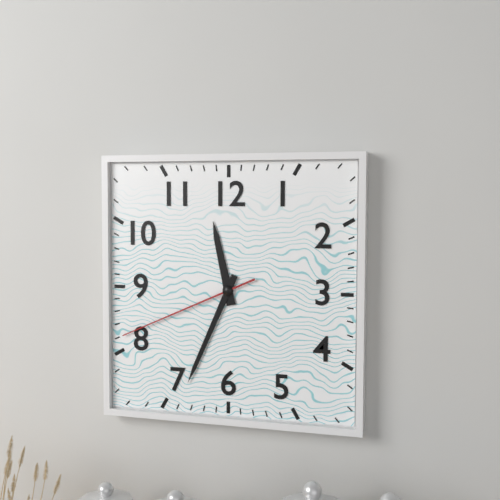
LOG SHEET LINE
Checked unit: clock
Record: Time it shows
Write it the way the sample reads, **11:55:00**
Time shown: **11:34:41**
